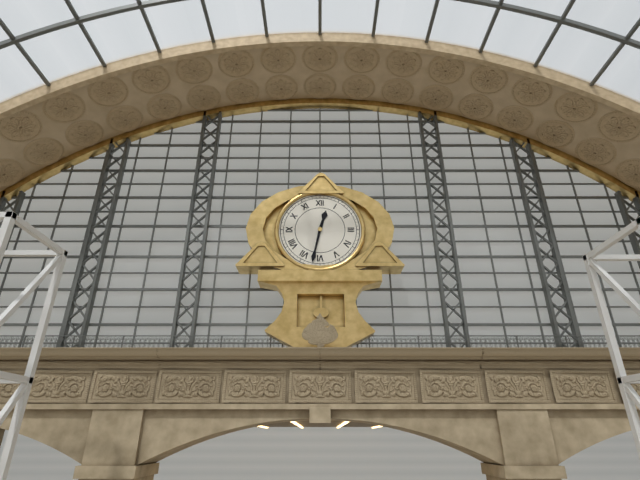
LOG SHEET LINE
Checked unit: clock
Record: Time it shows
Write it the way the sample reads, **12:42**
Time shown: **12:32**
